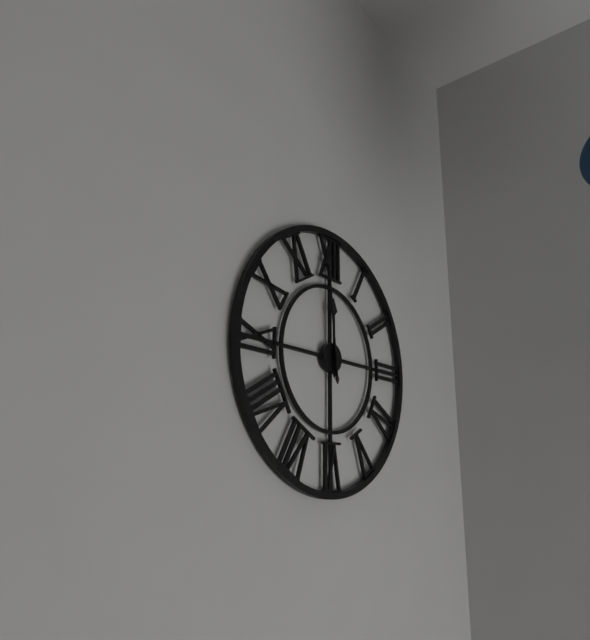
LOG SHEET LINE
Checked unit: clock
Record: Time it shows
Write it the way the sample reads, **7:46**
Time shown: **11:59**
